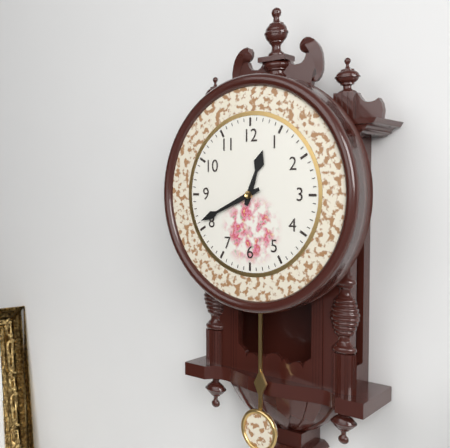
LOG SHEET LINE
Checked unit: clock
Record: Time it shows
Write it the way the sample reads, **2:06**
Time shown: **12:41**
